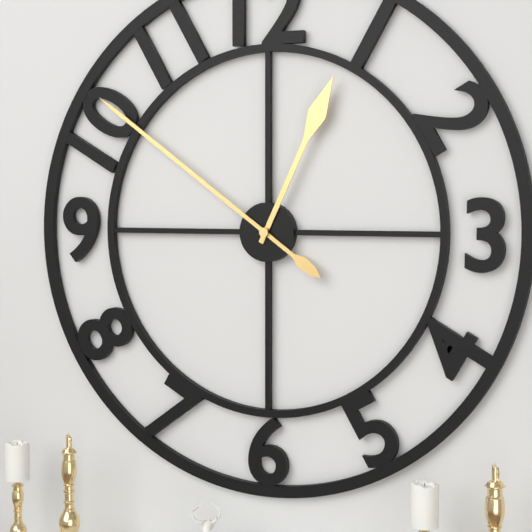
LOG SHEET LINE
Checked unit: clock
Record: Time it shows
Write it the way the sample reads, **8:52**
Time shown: **12:51**
